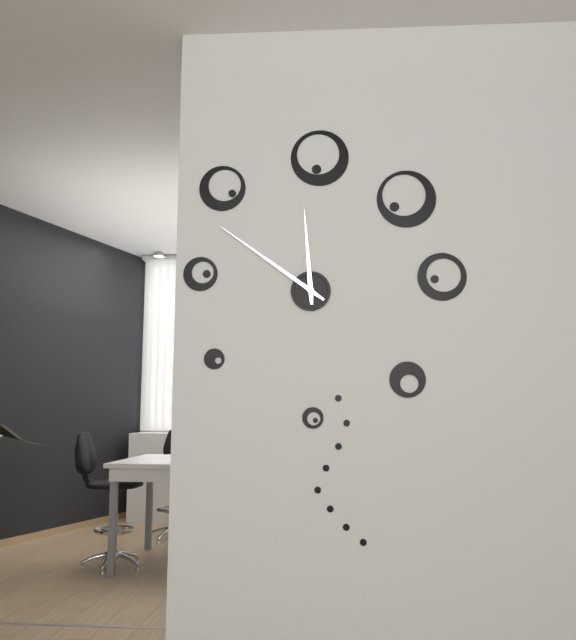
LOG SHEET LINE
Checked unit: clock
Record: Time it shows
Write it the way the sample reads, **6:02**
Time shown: **11:51**
